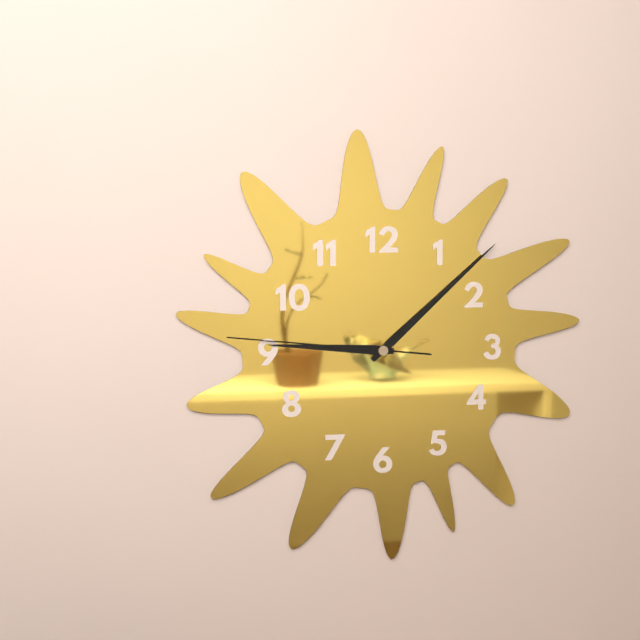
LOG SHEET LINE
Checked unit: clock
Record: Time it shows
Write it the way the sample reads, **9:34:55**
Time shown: **9:08:46**
